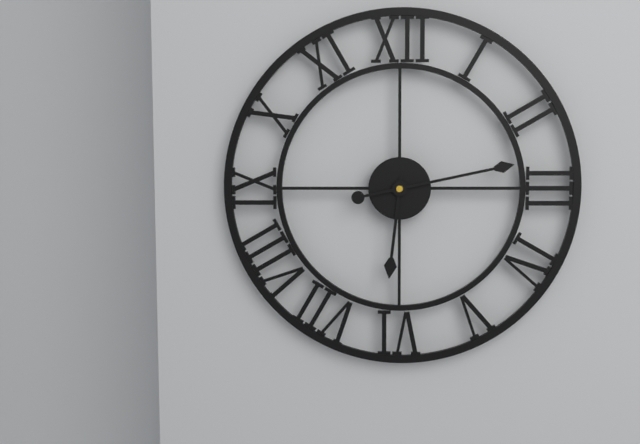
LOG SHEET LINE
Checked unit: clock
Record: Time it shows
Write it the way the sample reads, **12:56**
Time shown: **6:13**
